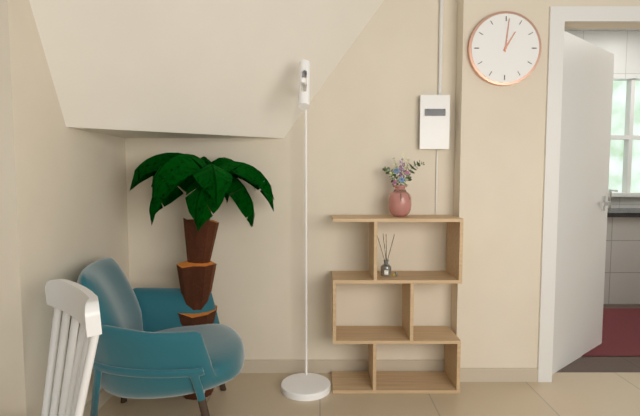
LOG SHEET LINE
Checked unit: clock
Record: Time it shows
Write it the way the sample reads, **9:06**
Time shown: **1:01**
